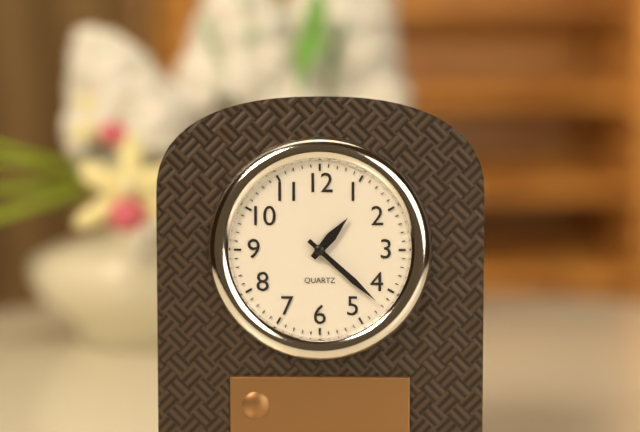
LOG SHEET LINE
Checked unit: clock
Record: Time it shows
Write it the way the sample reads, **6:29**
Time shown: **1:22**
